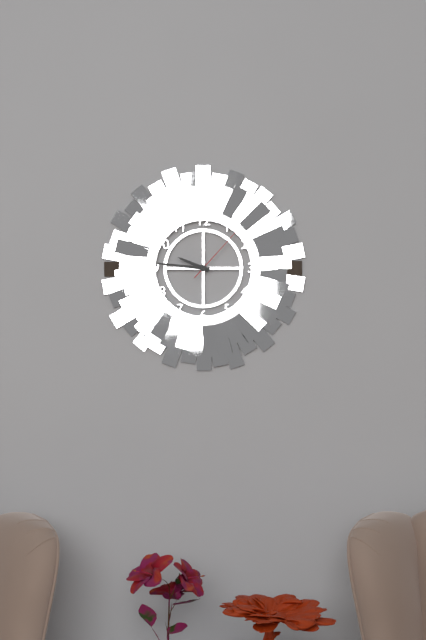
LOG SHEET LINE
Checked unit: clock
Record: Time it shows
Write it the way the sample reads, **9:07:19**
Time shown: **9:46:07**
